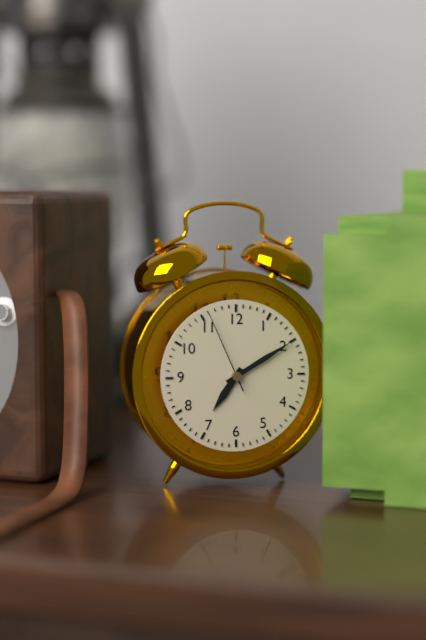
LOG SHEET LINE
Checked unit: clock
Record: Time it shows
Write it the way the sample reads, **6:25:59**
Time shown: **7:10:56**
